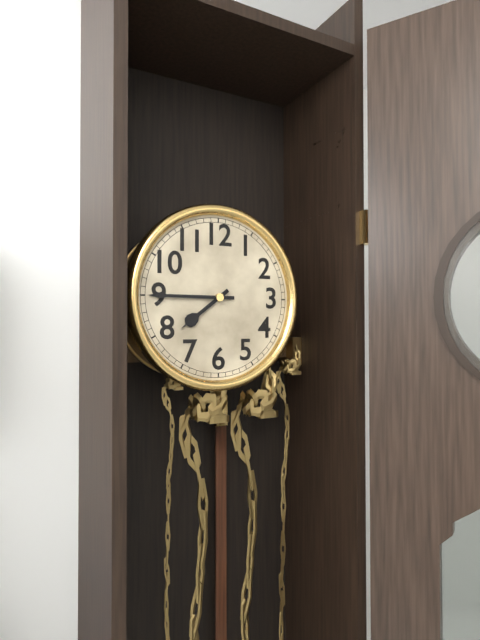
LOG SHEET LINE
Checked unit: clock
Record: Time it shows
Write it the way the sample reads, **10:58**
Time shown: **7:45**
